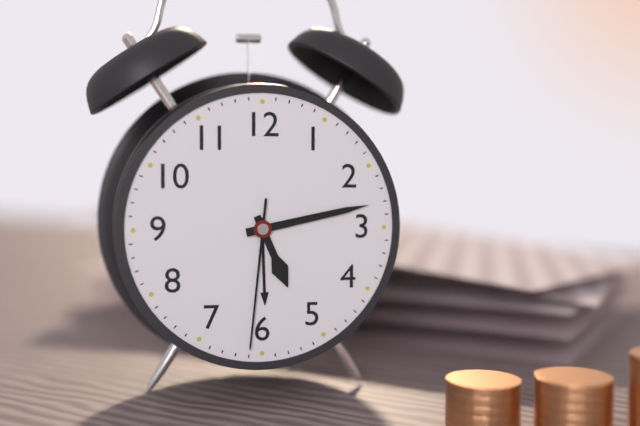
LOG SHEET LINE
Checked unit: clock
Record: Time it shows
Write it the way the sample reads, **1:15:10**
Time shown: **5:13:31**
